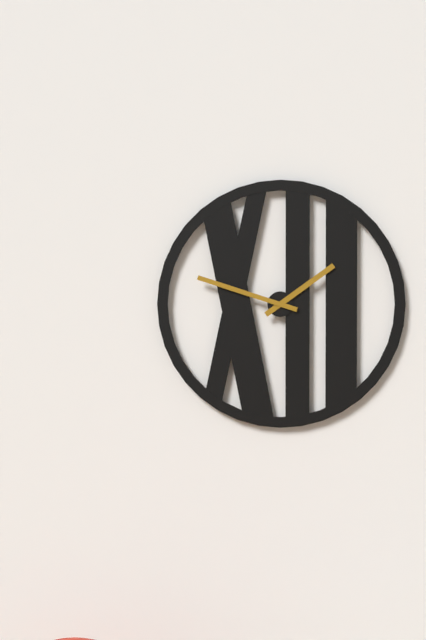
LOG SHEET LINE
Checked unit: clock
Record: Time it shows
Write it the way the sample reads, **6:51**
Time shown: **1:48**
